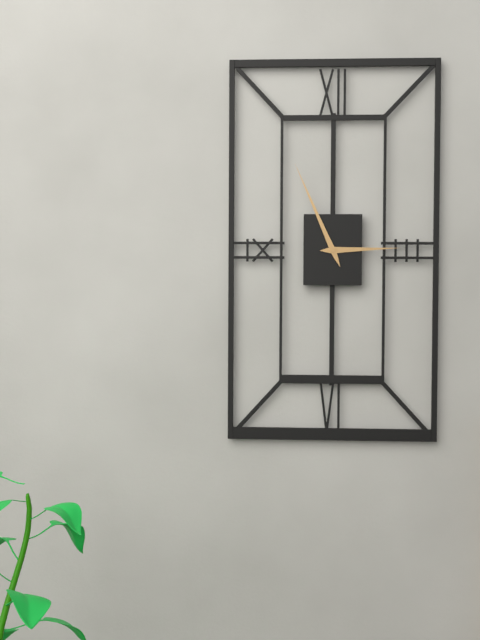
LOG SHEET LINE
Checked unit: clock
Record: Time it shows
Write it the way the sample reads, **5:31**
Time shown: **2:56**
